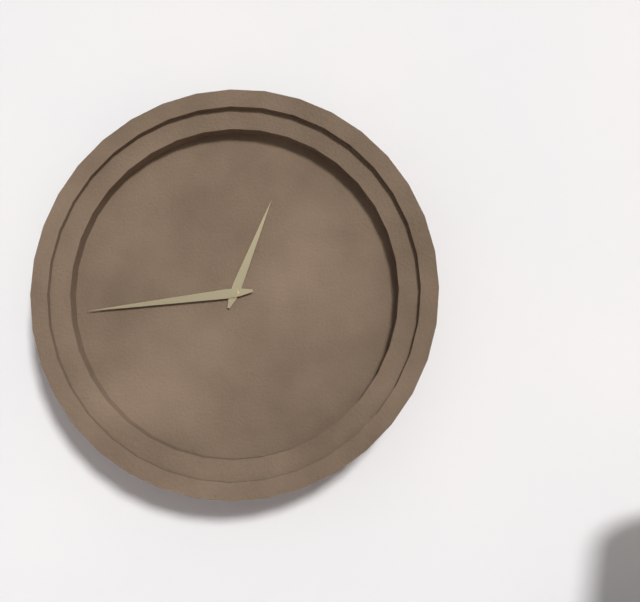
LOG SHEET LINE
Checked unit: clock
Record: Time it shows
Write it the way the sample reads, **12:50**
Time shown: **12:44**
